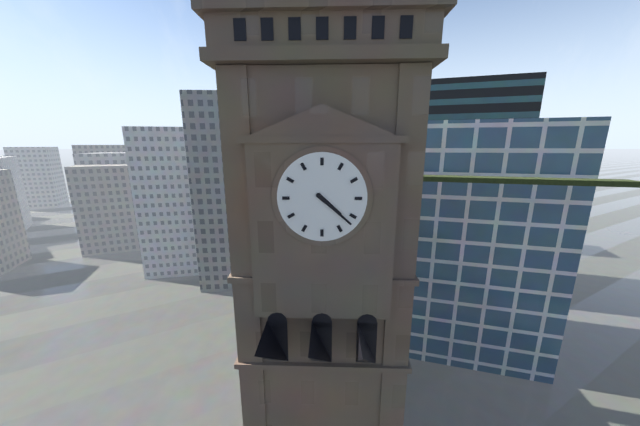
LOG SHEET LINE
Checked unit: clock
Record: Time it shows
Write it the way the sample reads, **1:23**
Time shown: **4:22**
